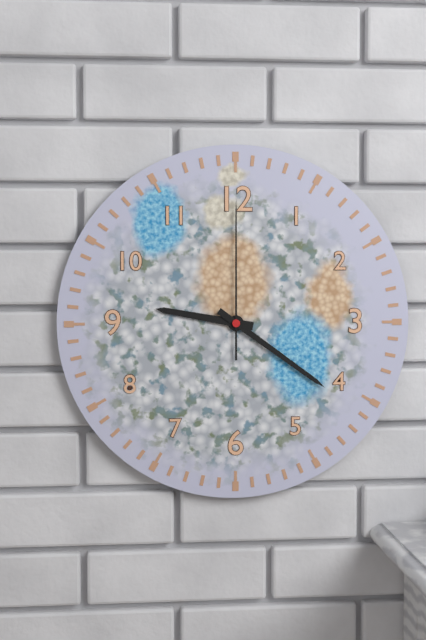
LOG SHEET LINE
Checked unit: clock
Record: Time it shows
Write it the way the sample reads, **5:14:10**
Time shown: **9:21:00**
